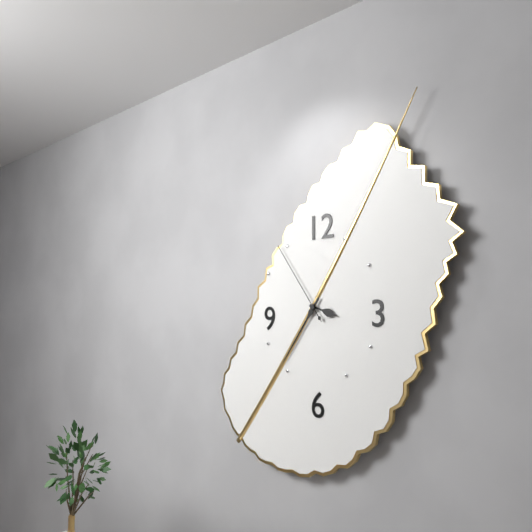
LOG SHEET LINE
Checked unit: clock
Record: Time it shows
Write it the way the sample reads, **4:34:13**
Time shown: **3:36:54**
